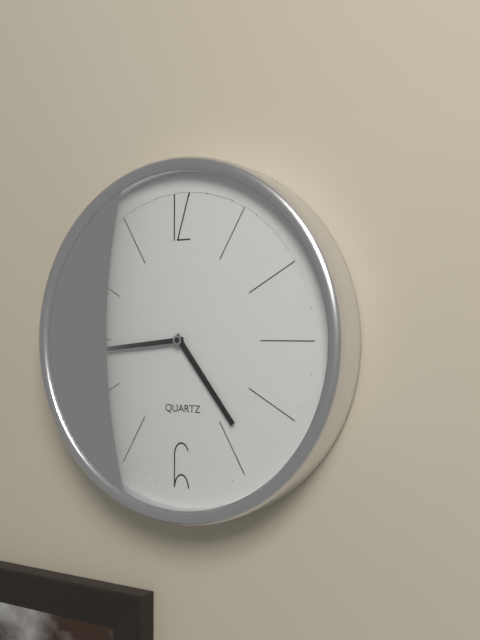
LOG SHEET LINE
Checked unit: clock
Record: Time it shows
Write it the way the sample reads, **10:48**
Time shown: **4:44**
